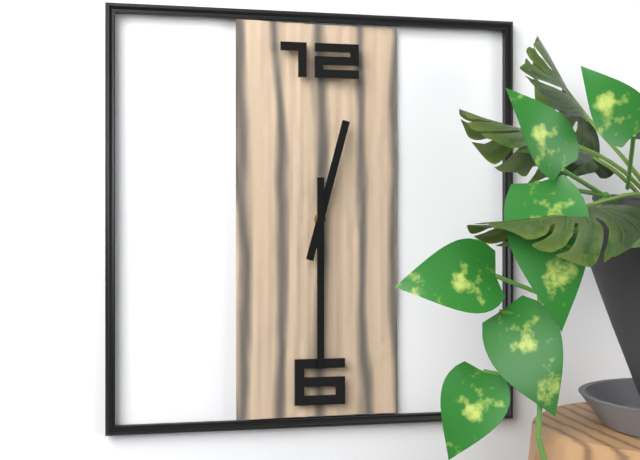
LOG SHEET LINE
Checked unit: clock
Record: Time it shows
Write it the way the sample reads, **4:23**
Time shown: **12:30**
